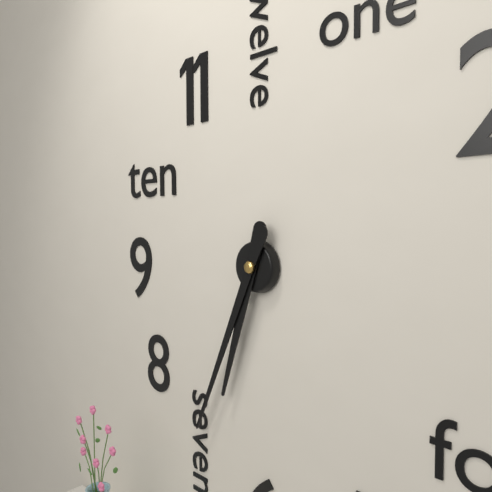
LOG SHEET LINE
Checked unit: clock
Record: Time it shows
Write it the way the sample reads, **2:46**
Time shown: **6:34**
